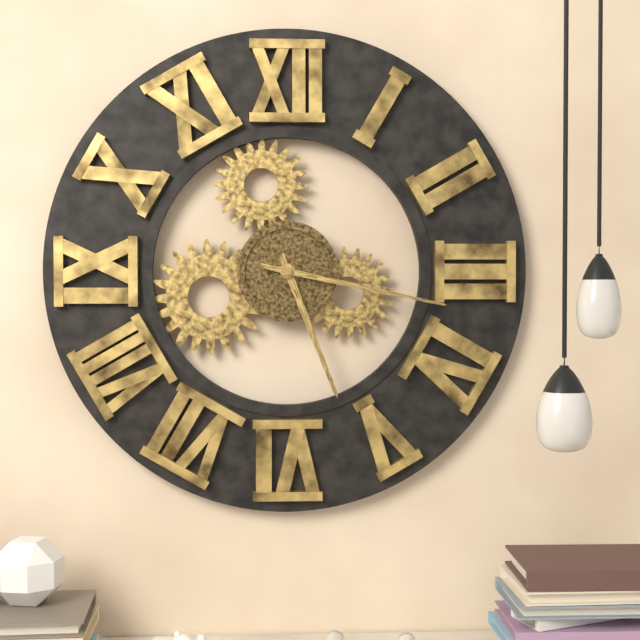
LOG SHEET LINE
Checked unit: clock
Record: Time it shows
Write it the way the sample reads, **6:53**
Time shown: **5:17**
